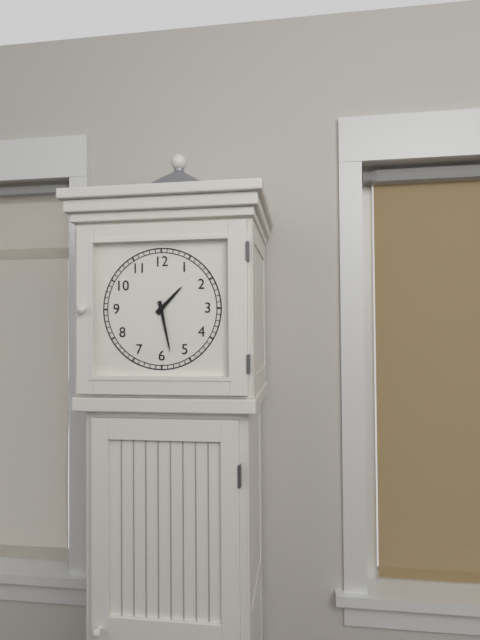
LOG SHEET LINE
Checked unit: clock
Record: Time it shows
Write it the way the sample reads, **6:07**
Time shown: **1:28**
